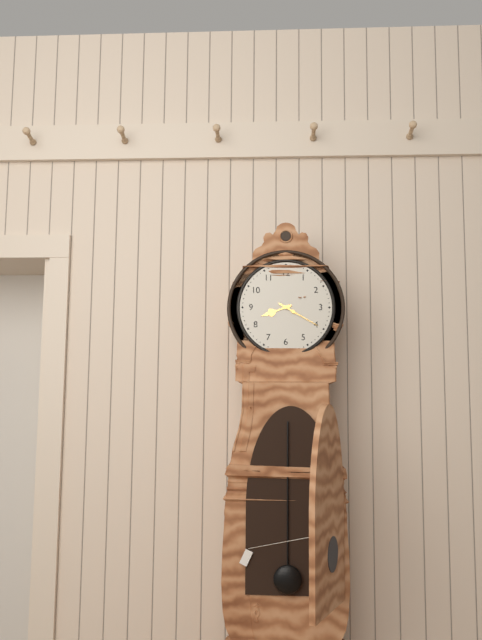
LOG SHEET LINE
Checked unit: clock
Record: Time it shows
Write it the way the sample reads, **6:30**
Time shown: **8:20**
